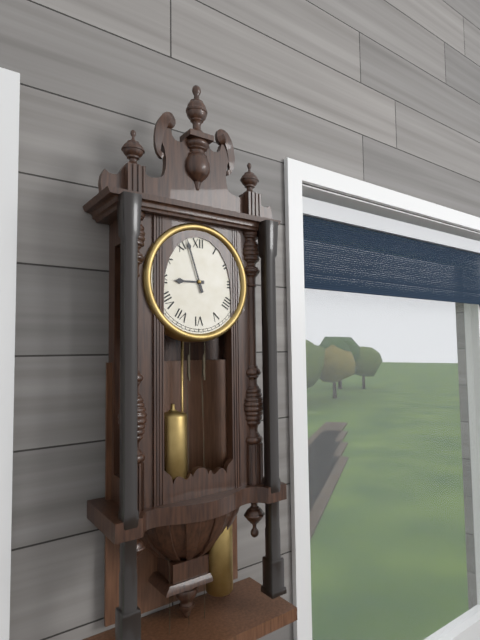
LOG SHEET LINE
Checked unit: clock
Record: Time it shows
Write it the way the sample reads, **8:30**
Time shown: **8:57**
